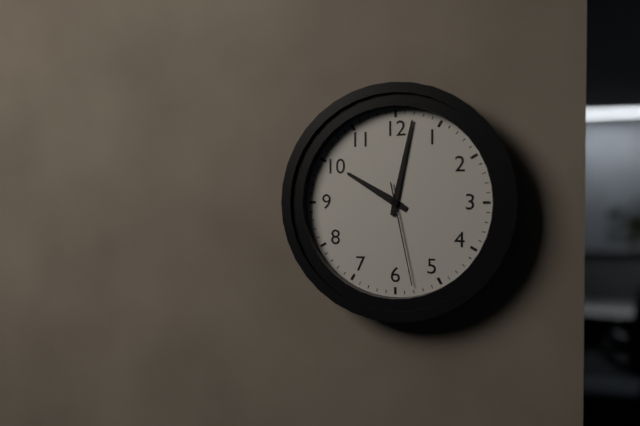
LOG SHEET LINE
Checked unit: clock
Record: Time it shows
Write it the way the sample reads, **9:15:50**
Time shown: **10:02:28**
